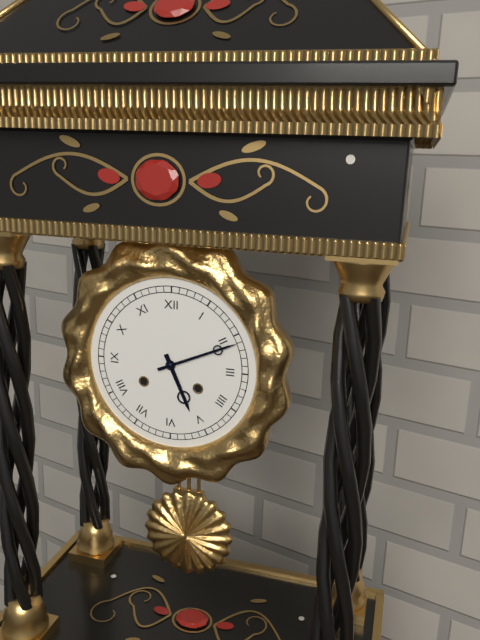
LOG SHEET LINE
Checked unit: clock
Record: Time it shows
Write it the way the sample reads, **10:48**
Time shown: **5:11**
